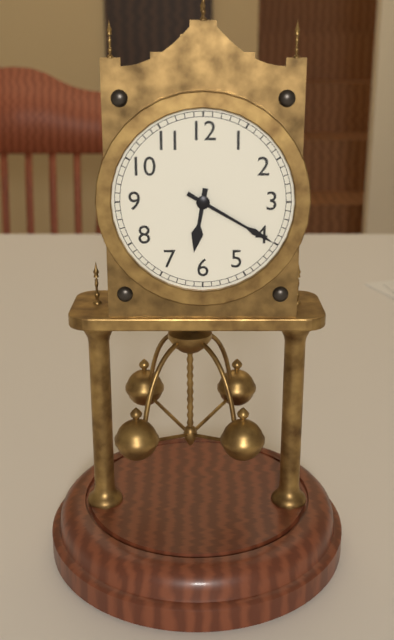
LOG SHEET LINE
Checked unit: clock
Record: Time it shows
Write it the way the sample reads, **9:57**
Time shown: **6:20**
